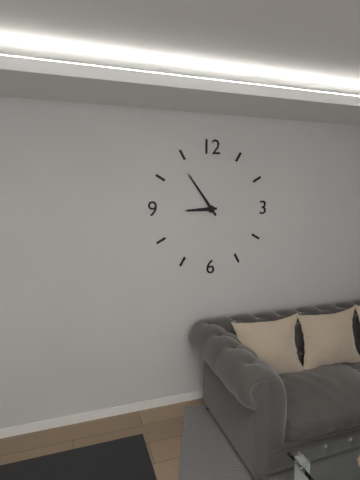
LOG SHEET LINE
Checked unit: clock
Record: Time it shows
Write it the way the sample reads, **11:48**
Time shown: **8:54**
